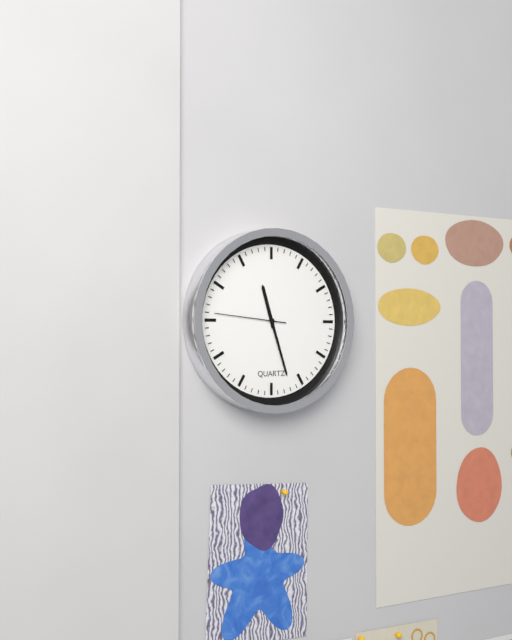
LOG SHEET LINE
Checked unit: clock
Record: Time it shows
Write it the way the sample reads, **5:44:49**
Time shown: **11:27:46**
